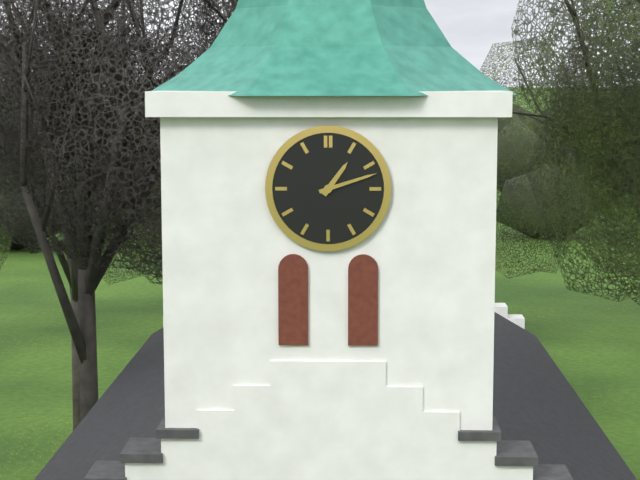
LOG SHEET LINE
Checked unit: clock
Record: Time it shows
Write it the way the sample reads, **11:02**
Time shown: **1:12**
